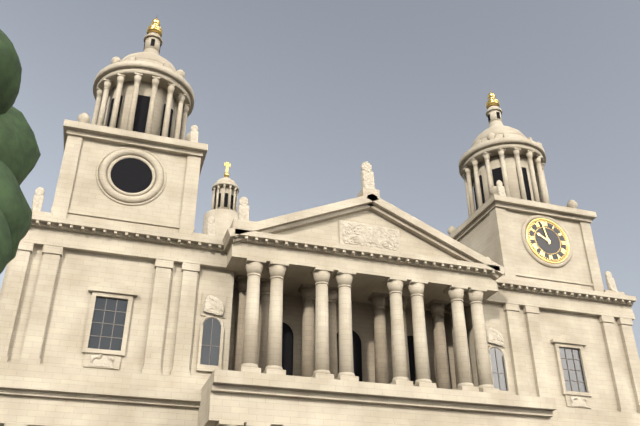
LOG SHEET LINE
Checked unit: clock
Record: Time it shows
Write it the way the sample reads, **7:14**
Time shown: **9:58**
